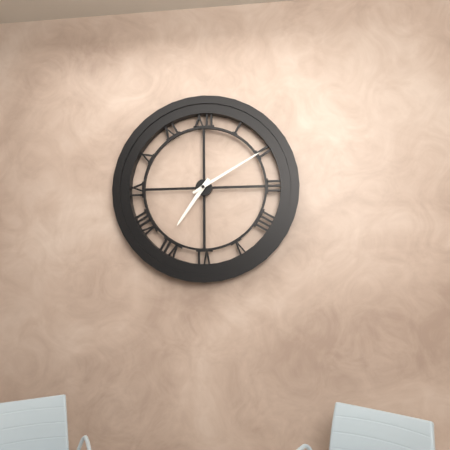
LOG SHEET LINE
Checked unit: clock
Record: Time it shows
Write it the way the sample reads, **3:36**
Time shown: **7:10**
